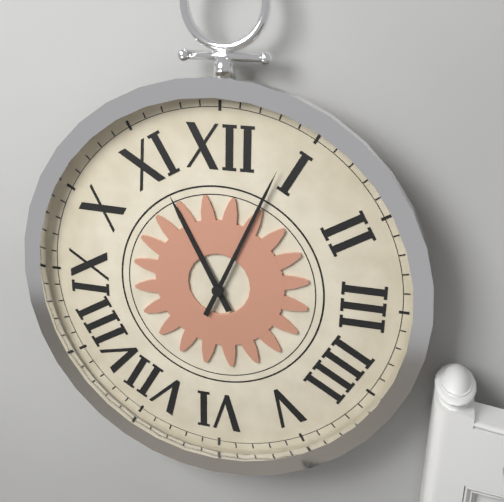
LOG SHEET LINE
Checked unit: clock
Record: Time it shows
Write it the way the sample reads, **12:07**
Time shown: **11:04**
